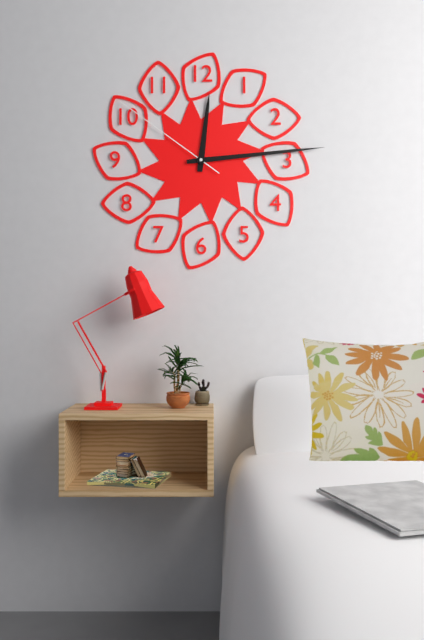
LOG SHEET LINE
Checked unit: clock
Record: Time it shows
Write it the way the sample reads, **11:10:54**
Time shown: **12:14:51**
